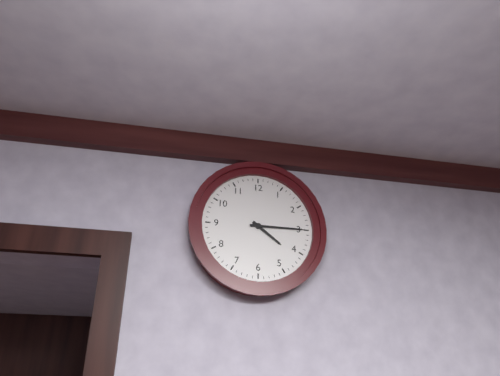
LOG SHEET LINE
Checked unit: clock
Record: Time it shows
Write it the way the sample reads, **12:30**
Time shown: **4:15**
